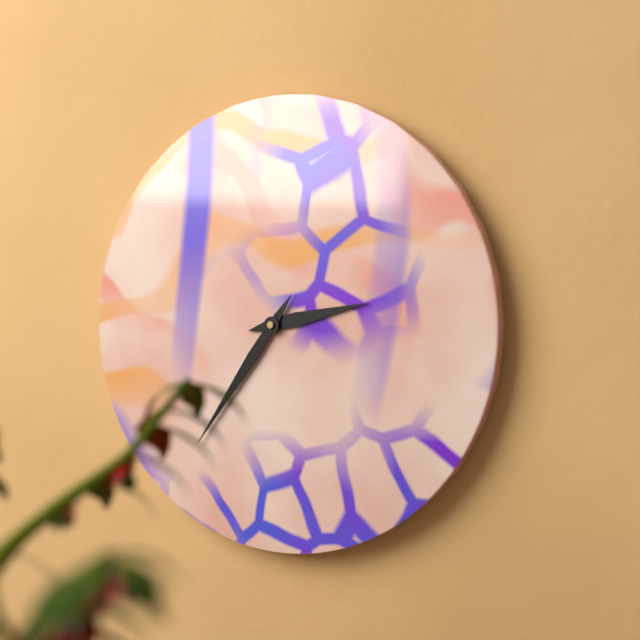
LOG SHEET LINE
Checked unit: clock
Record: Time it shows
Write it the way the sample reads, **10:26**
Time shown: **2:36**
